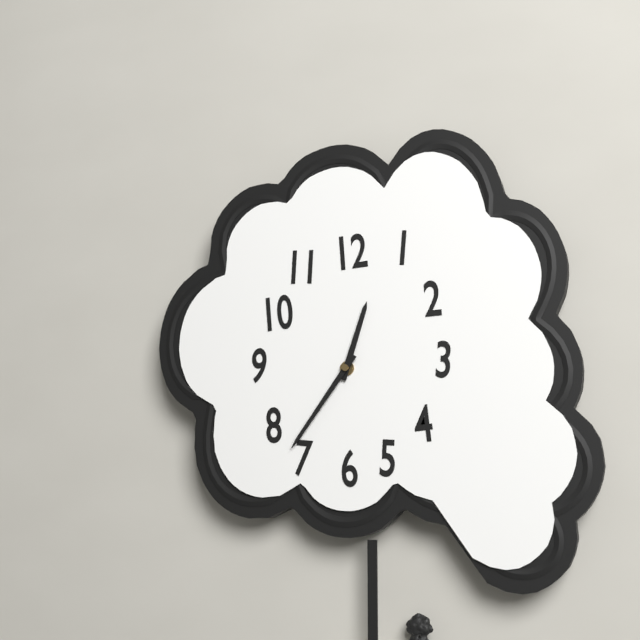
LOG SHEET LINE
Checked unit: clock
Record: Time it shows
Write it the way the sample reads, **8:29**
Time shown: **12:36**
